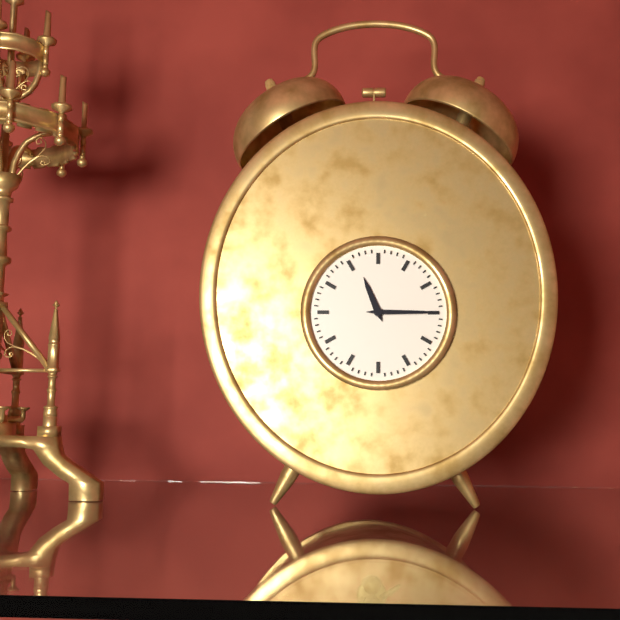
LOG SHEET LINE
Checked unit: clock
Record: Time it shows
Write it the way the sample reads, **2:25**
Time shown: **11:15**
